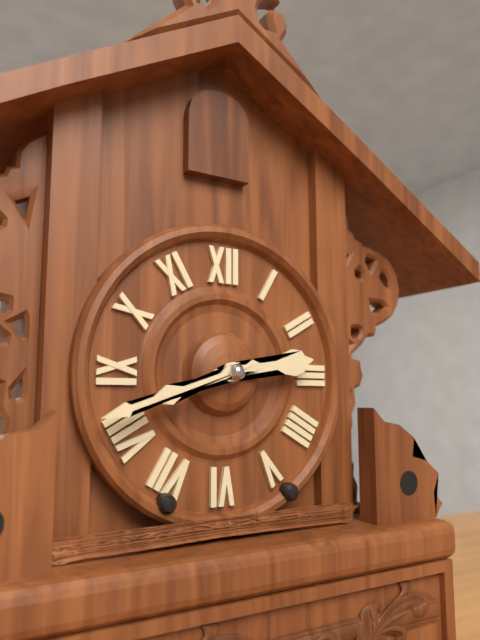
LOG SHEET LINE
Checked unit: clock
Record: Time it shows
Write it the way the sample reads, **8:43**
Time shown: **2:42**
